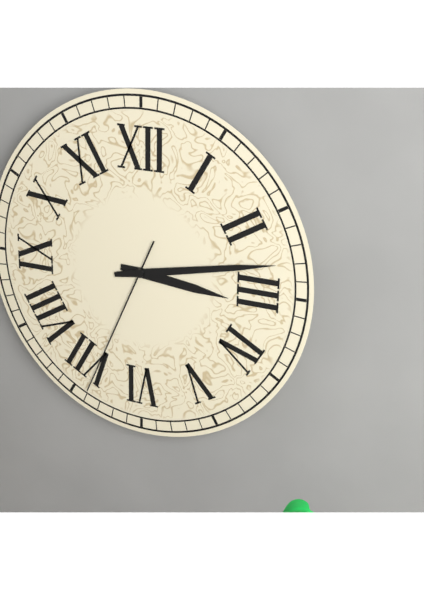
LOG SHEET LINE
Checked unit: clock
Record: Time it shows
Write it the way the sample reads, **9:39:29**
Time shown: **3:13:34**
